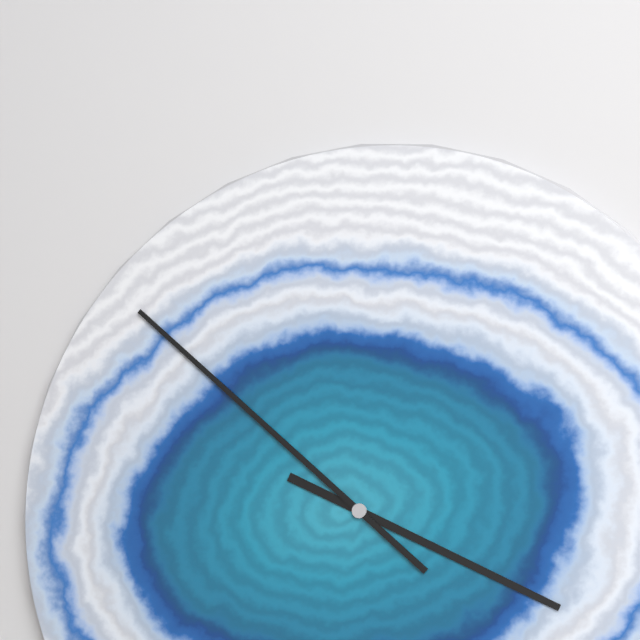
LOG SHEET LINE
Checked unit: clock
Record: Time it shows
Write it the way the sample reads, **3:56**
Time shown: **3:52**
